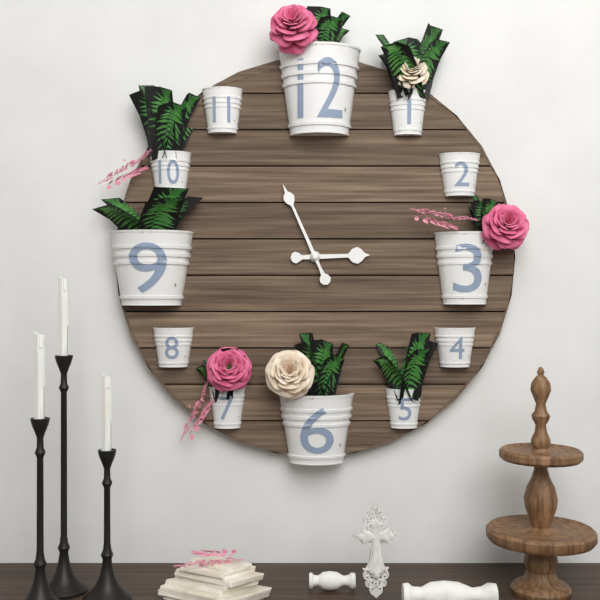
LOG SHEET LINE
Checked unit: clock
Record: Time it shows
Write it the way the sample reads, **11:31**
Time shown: **2:56**
